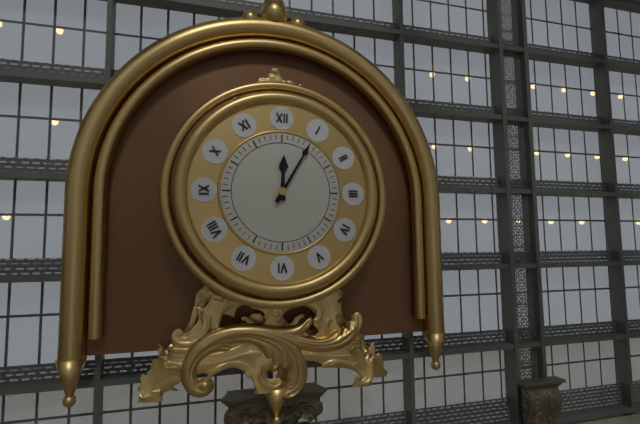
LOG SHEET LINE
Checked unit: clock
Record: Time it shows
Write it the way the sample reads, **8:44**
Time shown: **12:05**
